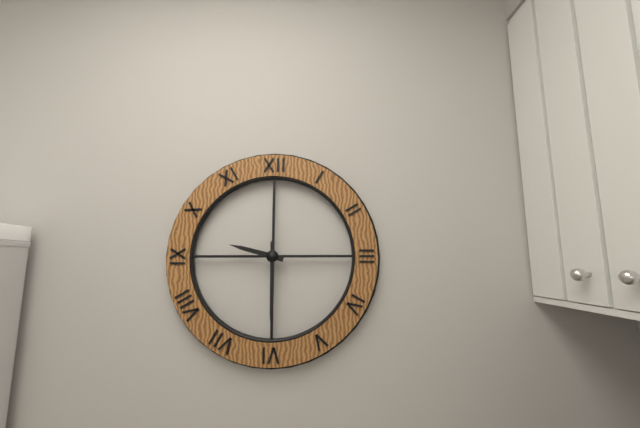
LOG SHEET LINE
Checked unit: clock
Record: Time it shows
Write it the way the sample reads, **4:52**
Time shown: **9:30**
